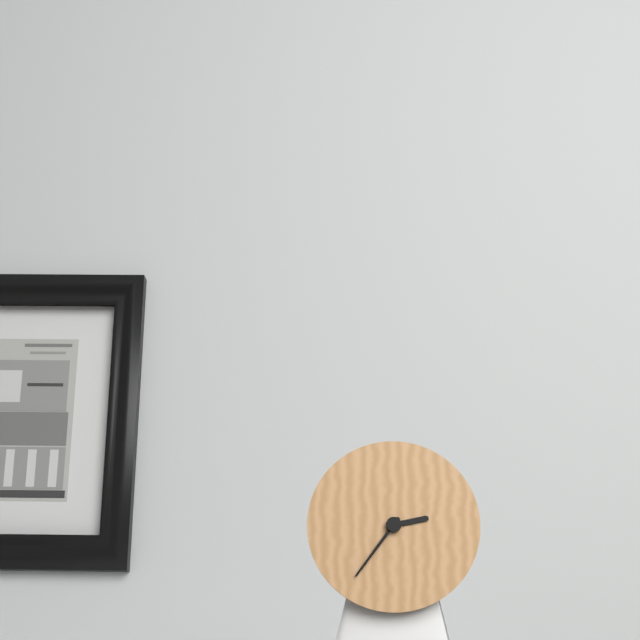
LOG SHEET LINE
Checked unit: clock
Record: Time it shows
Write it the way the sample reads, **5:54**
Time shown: **2:36**
